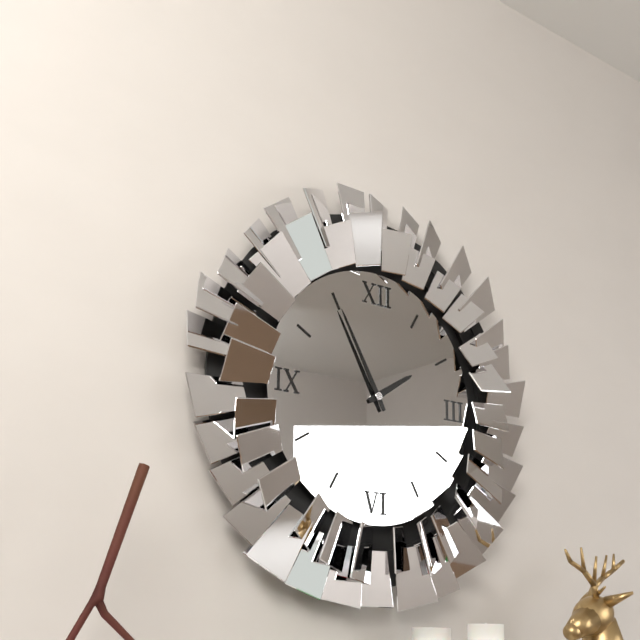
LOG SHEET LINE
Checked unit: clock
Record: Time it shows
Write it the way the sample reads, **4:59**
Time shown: **1:55**
